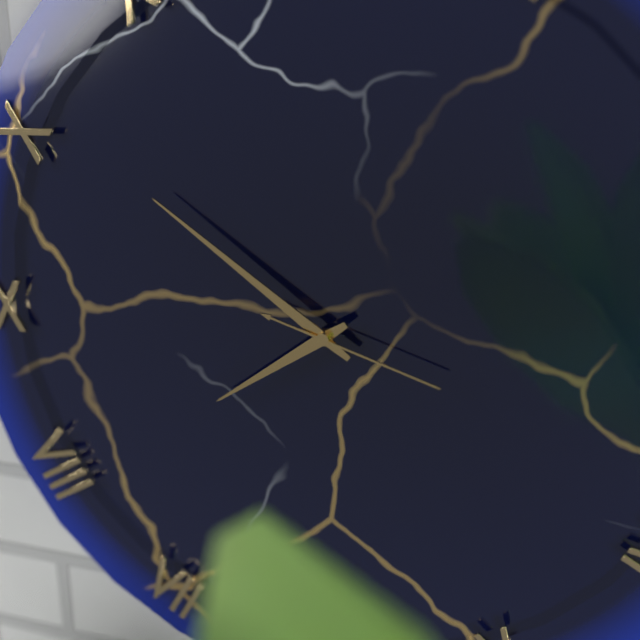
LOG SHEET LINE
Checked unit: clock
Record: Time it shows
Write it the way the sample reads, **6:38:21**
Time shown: **7:51:18**
